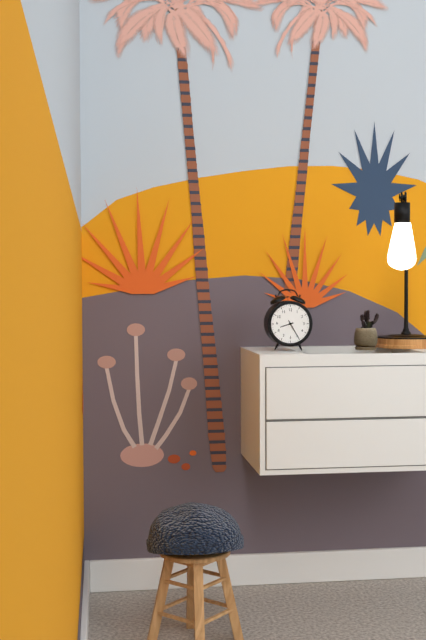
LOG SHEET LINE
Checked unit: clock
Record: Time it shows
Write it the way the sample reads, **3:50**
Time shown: **8:25**
